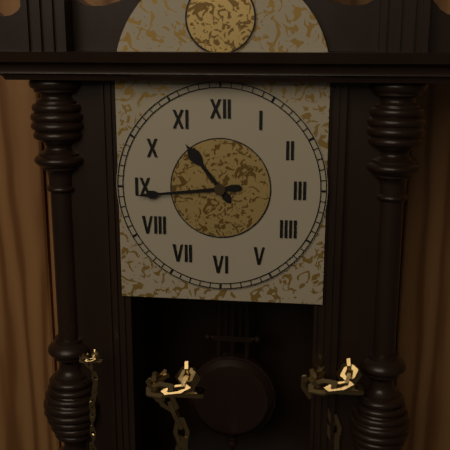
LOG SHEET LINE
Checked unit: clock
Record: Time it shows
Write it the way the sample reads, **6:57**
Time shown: **10:44**
